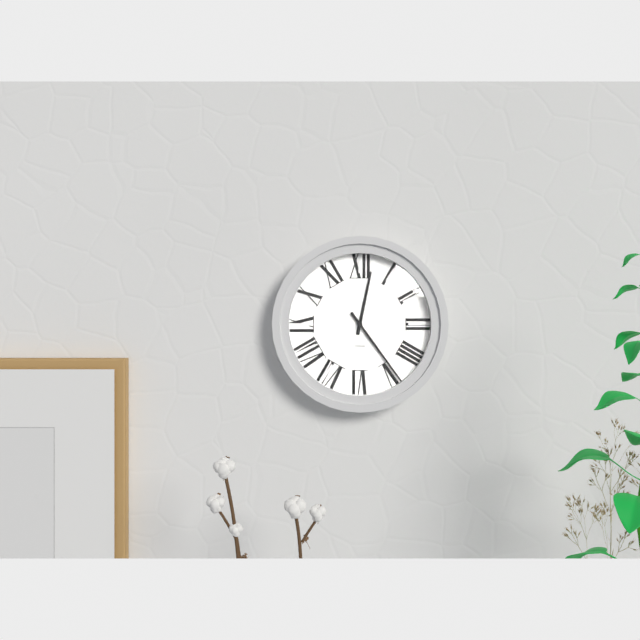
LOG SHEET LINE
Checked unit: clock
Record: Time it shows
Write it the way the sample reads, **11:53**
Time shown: **12:24**
